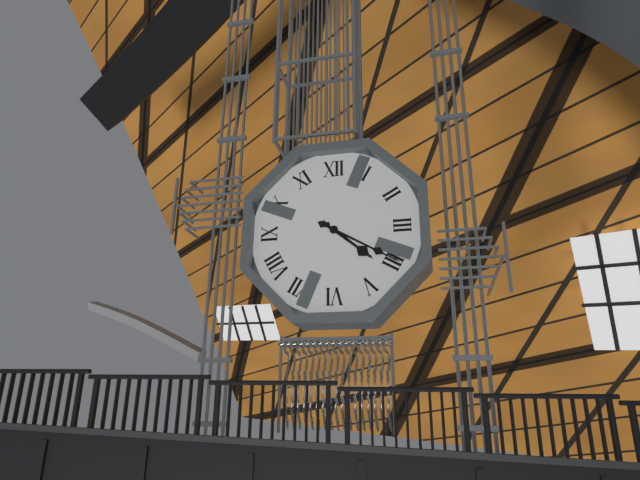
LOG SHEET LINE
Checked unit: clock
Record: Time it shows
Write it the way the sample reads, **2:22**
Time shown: **4:20**
